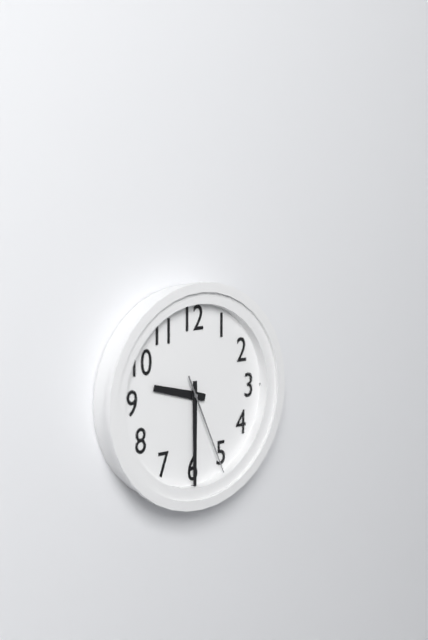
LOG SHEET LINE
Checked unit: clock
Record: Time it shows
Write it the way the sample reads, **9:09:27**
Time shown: **9:30:26**
